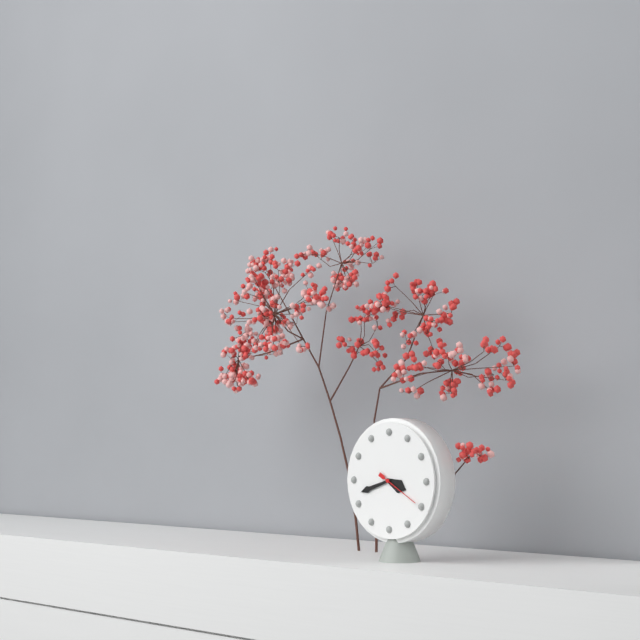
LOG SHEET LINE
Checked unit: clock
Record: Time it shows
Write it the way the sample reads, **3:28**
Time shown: **3:42**
